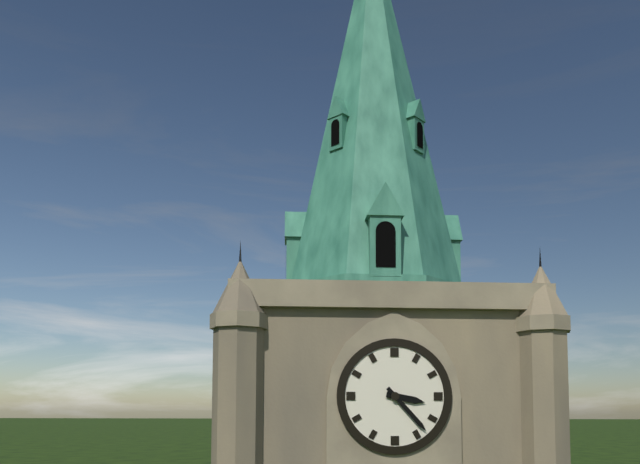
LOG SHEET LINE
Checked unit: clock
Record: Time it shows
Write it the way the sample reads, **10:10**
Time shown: **3:23**
